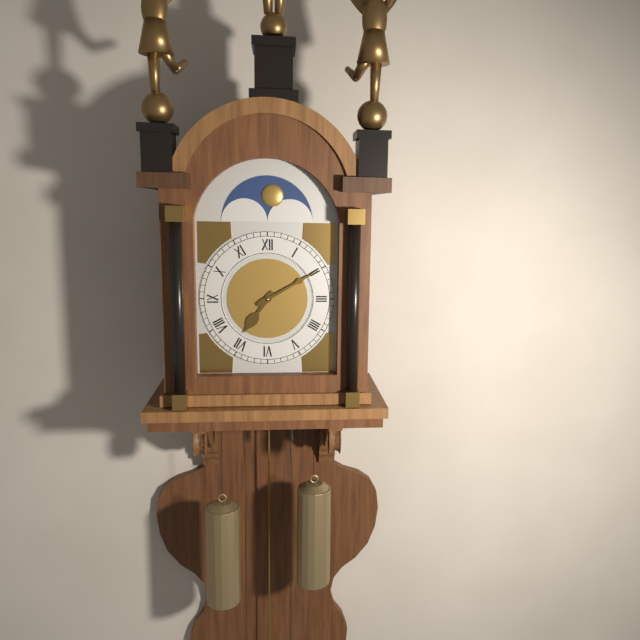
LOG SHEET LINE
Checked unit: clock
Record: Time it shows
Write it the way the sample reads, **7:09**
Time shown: **7:10**
